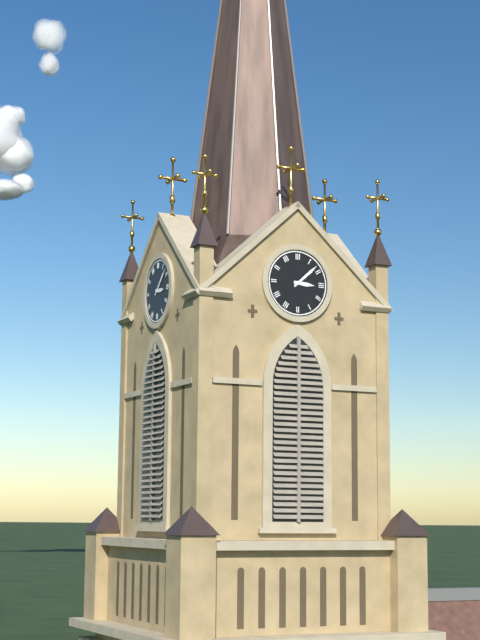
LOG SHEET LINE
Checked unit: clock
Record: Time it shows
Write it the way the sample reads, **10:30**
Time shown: **3:08**
